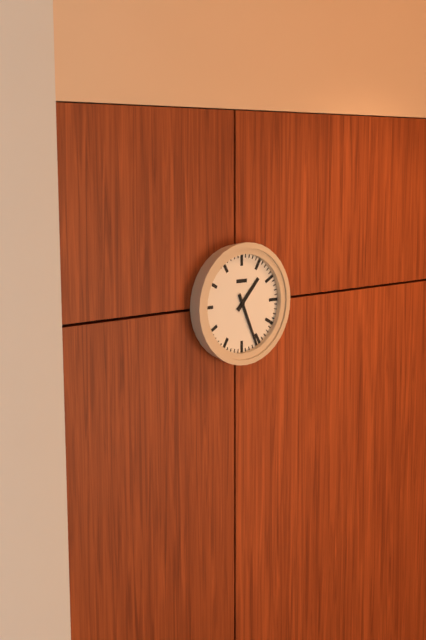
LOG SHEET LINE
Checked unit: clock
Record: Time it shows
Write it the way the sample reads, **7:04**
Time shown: **1:26**
